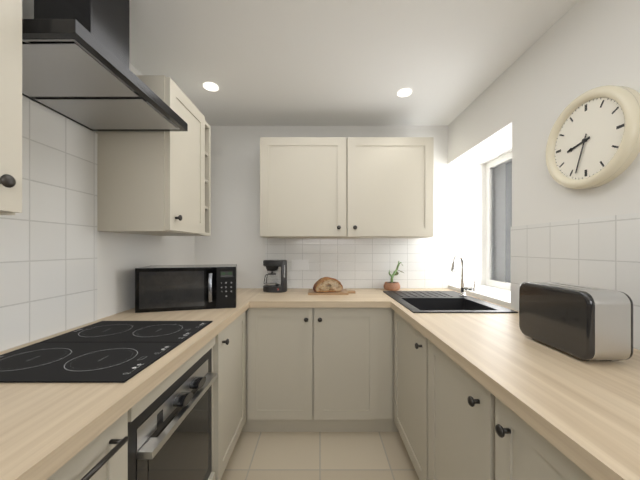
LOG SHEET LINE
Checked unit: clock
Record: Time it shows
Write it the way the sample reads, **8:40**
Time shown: **8:33**
